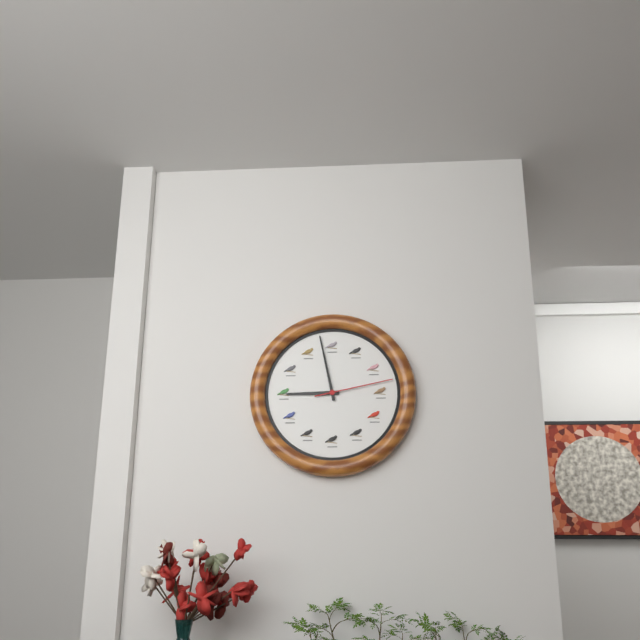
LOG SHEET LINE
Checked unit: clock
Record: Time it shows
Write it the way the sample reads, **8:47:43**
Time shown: **8:58:13**
